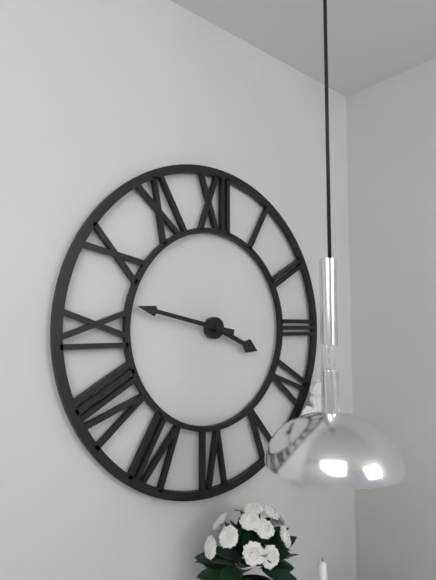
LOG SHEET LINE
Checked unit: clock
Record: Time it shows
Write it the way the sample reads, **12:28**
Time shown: **3:47**
